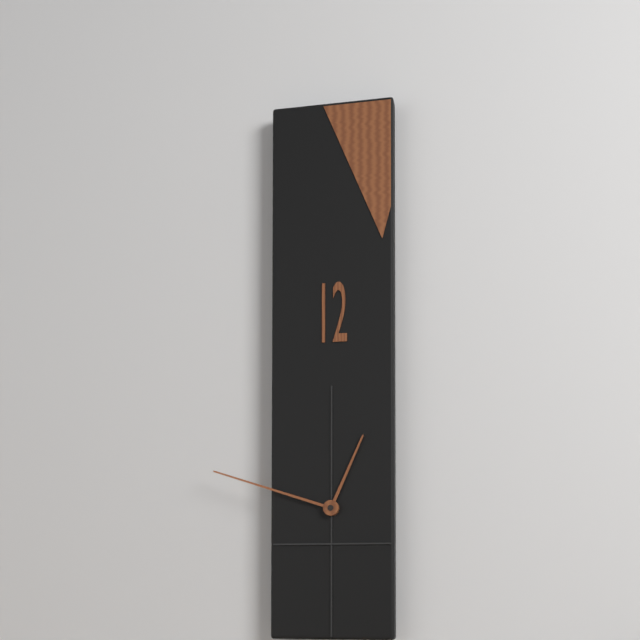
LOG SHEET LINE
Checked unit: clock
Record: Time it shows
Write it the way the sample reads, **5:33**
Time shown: **12:48**
